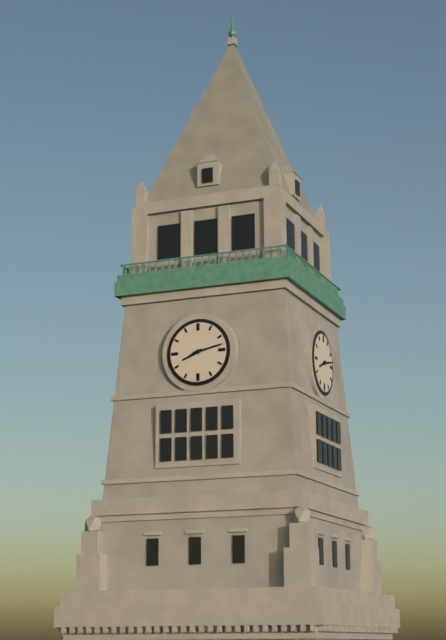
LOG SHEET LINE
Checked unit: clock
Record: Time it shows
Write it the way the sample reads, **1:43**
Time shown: **8:13**
